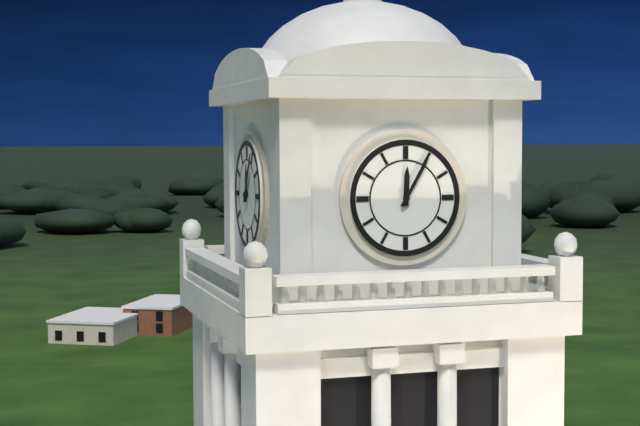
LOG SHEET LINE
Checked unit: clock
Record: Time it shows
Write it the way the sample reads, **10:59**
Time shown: **12:05**
